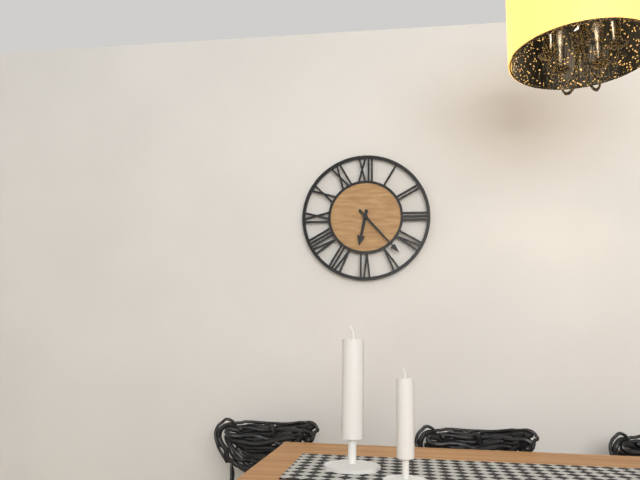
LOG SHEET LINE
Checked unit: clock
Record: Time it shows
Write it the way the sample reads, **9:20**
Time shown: **6:23**
